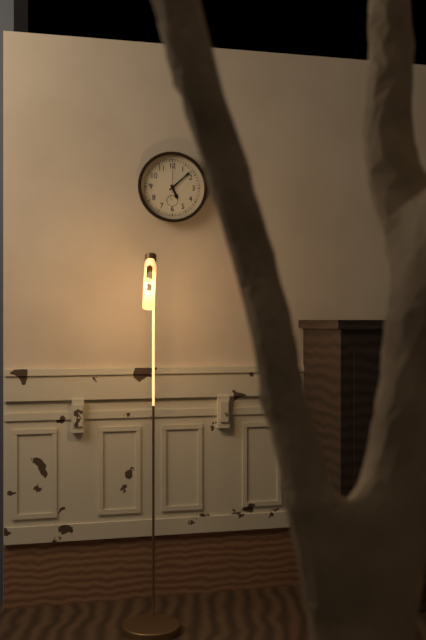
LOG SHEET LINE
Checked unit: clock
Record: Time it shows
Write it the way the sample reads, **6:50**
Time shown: **5:08**
